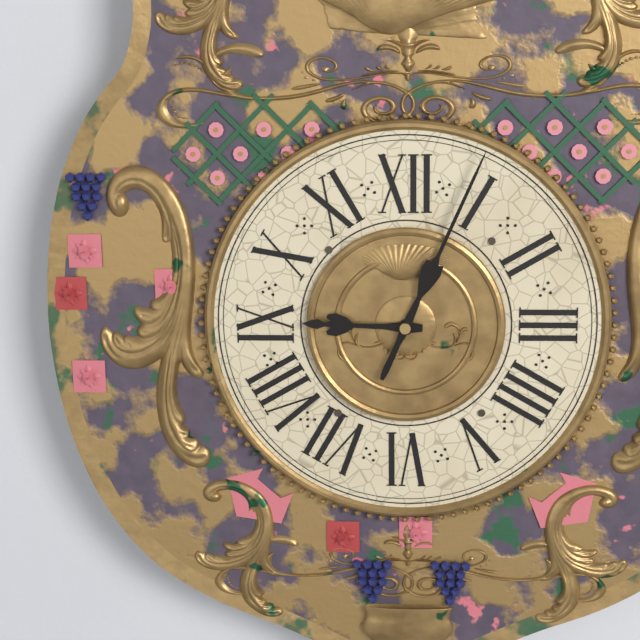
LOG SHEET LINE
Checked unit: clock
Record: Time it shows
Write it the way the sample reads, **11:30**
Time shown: **9:04**
